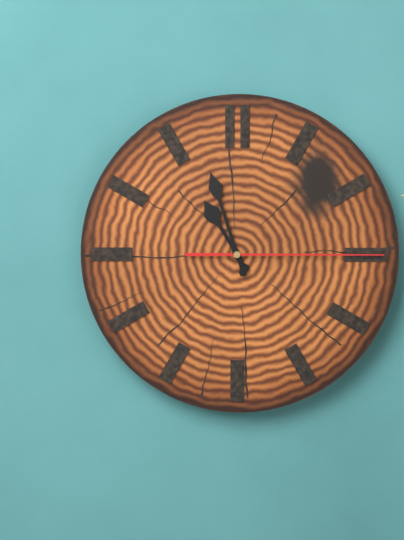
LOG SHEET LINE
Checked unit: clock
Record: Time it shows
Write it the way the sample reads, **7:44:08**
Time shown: **10:57:15**
